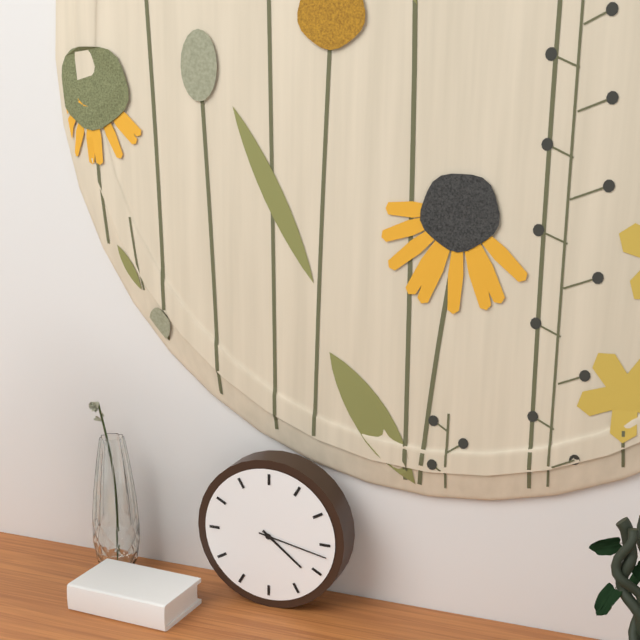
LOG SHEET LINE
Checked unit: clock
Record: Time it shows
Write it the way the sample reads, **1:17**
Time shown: **4:17**
